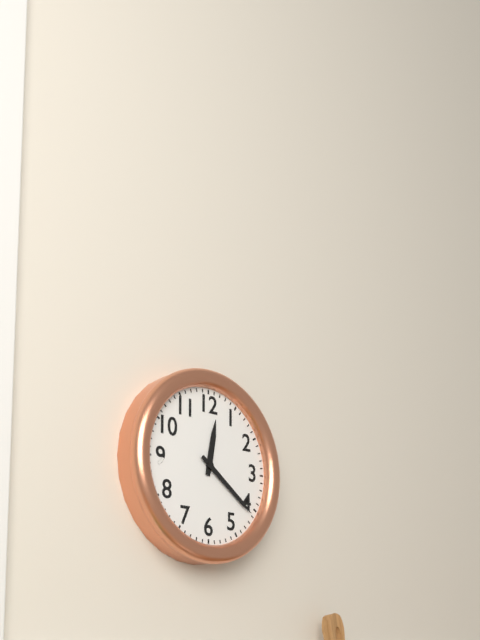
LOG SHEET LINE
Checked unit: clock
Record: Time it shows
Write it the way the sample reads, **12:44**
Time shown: **12:21**
